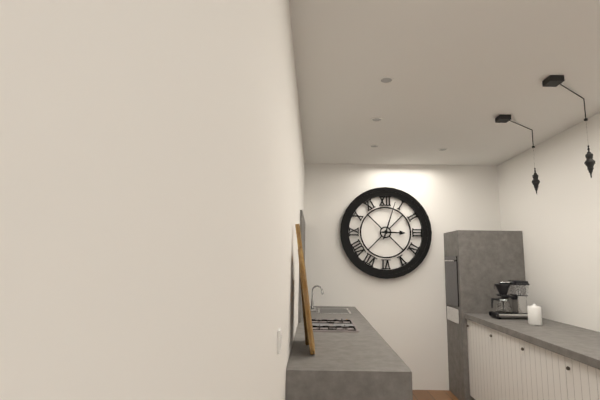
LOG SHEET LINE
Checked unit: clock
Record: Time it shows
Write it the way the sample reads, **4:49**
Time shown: **3:03**
